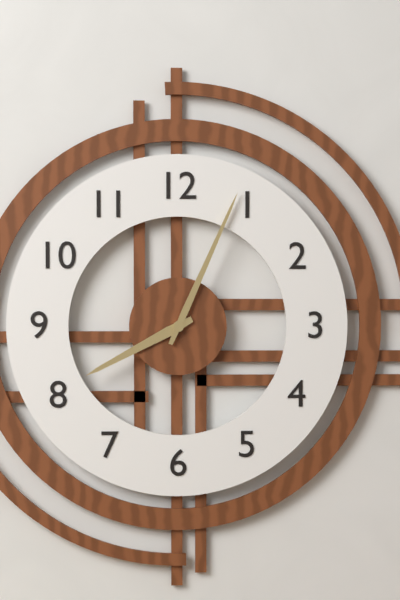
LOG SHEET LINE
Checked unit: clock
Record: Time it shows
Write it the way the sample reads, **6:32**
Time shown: **8:04**
